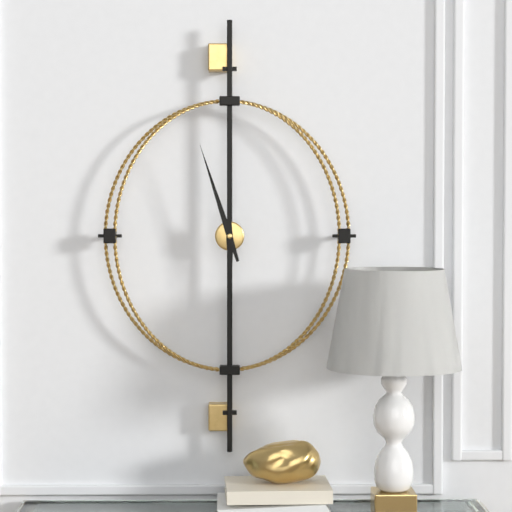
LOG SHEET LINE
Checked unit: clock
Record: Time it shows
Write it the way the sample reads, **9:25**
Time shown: **5:57**
